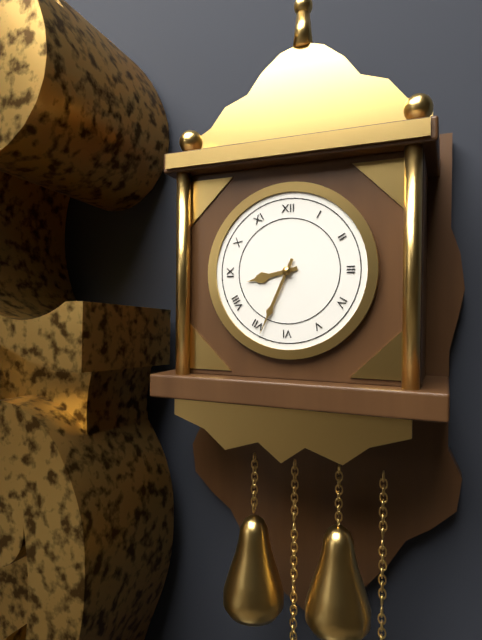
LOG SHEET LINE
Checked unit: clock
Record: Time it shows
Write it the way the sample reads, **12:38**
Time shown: **8:34**
